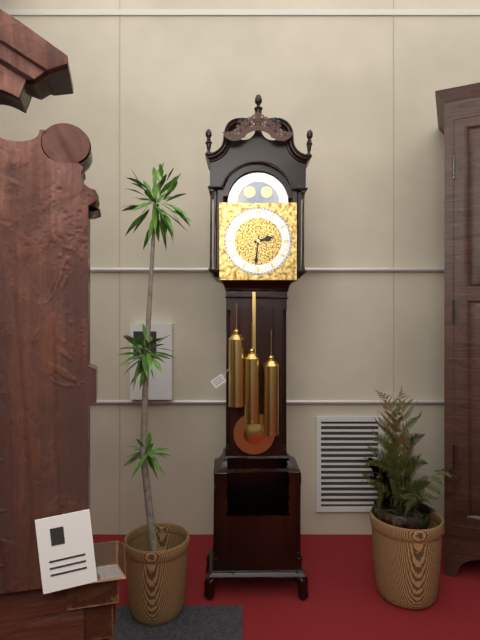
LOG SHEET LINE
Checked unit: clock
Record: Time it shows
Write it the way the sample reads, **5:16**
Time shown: **2:31**
